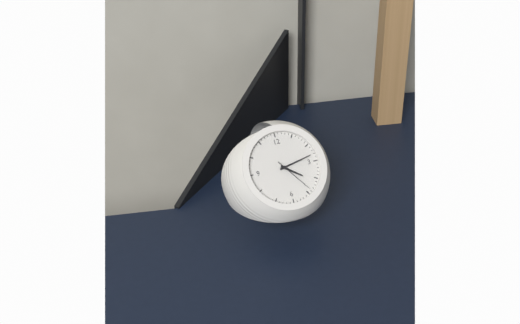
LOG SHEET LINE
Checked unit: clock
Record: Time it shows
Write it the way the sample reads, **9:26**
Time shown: **4:13**
